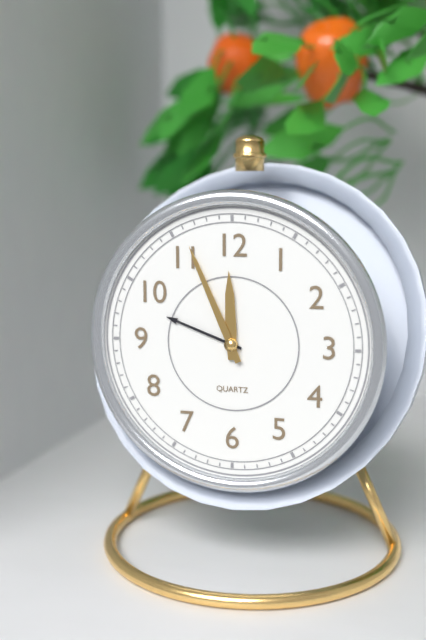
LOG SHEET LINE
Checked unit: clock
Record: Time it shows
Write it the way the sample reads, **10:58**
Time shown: **11:56**
